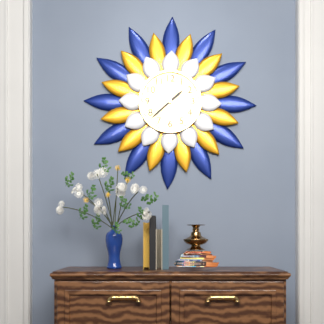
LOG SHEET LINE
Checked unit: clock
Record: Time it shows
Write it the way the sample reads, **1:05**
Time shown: **1:38**
